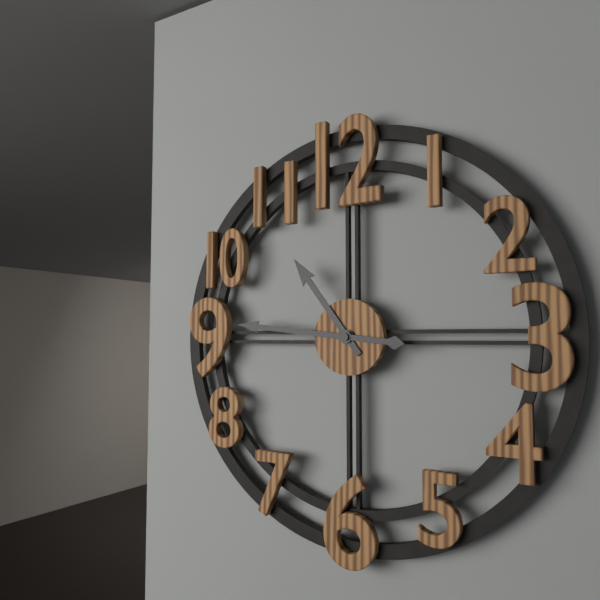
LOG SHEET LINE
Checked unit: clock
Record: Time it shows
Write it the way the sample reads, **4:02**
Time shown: **10:46**
